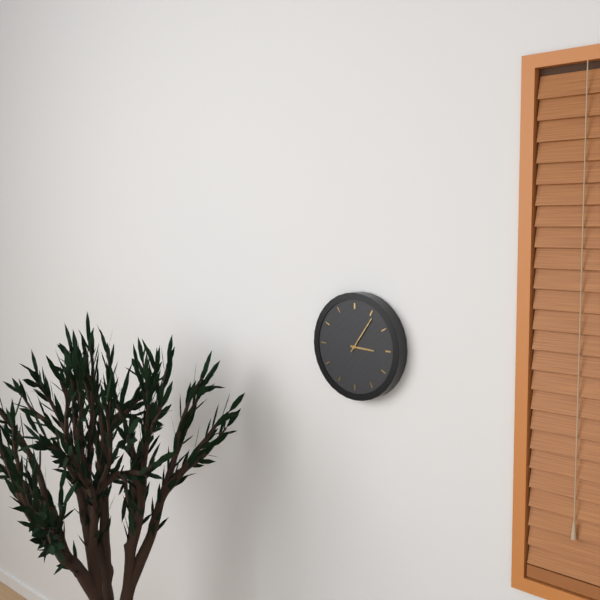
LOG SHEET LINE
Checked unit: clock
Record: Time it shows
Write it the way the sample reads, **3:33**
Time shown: **3:06**
